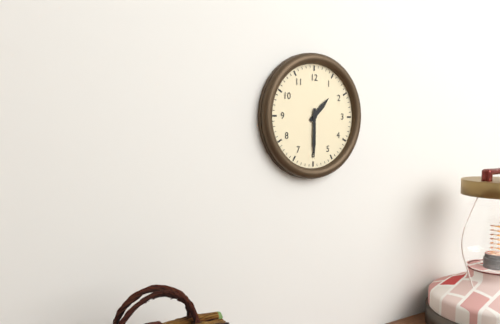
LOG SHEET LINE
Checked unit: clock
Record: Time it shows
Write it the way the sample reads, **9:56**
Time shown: **1:30**
